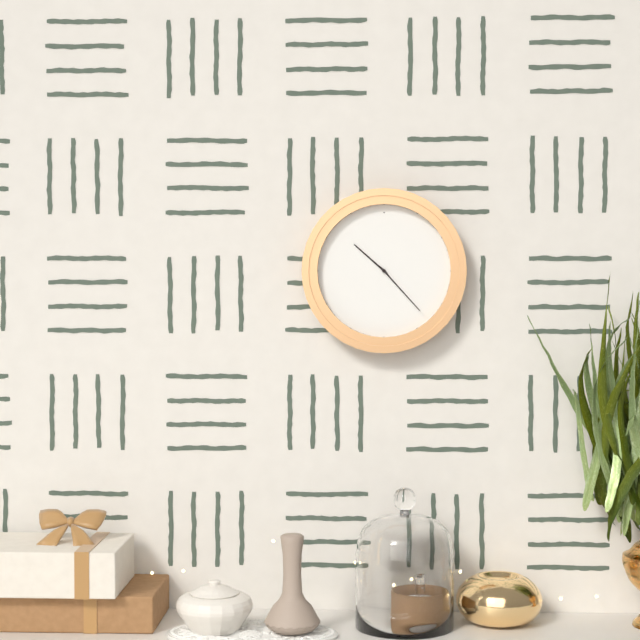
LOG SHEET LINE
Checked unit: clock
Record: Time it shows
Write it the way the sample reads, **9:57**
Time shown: **10:23**
